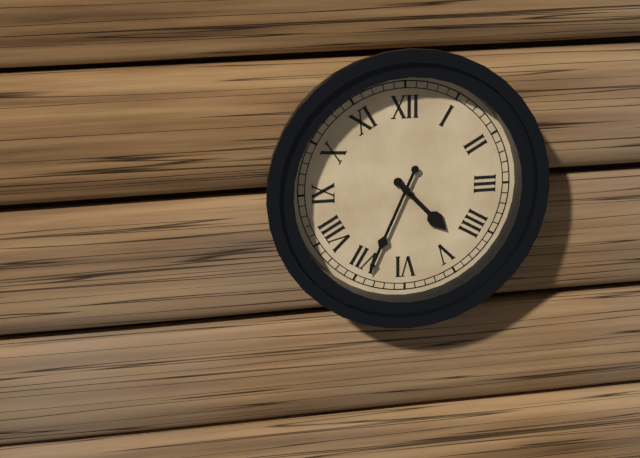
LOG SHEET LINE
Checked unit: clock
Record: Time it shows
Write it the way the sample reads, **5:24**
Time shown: **4:34**
